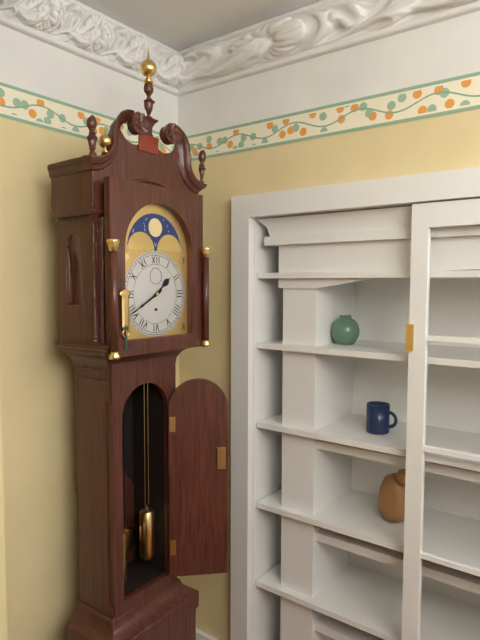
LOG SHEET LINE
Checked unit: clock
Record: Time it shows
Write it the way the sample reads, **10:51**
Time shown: **1:40**
